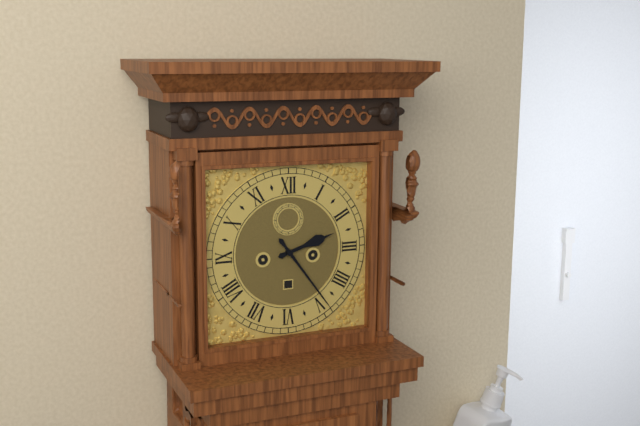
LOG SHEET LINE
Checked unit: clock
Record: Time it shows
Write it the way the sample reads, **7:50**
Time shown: **2:24**
